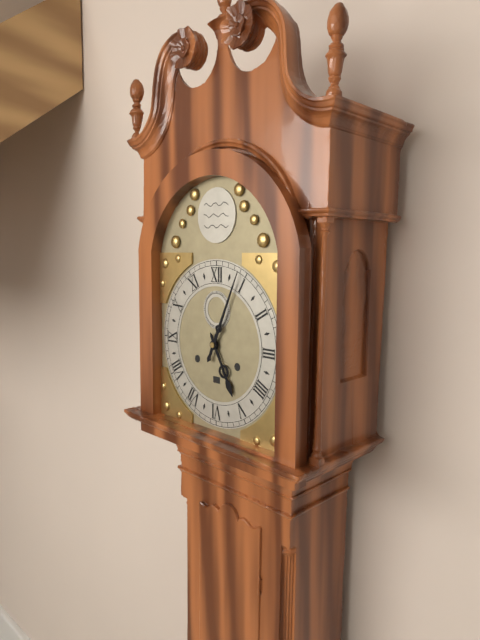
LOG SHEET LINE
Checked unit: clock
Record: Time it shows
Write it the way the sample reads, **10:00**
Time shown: **5:04**
